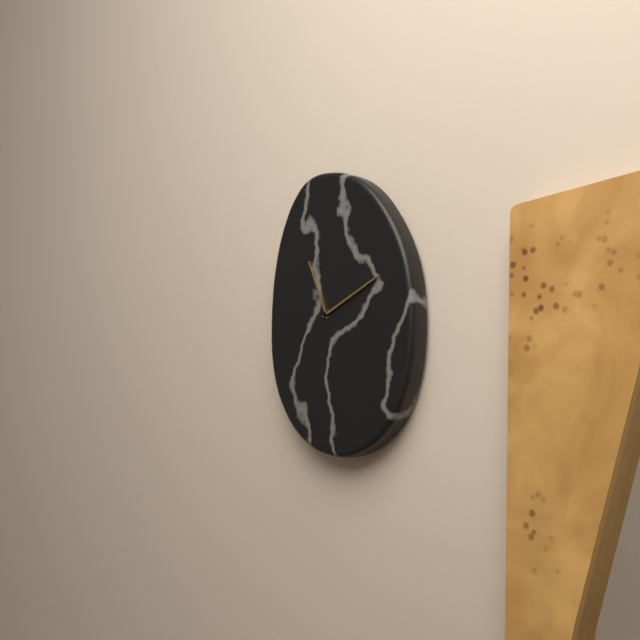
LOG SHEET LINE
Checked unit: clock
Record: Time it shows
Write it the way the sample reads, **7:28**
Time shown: **11:11**
